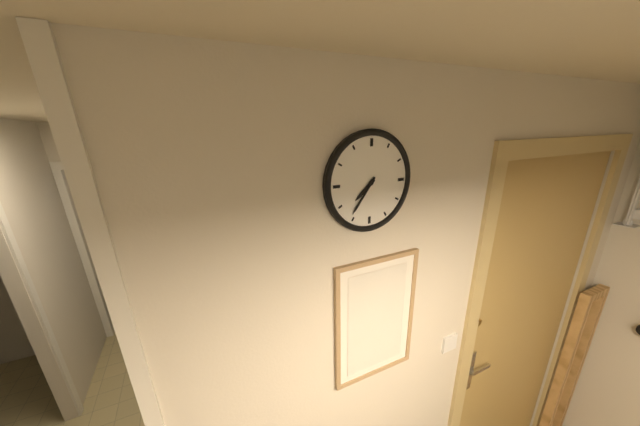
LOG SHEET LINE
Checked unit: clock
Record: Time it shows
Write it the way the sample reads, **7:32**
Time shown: **7:36**
